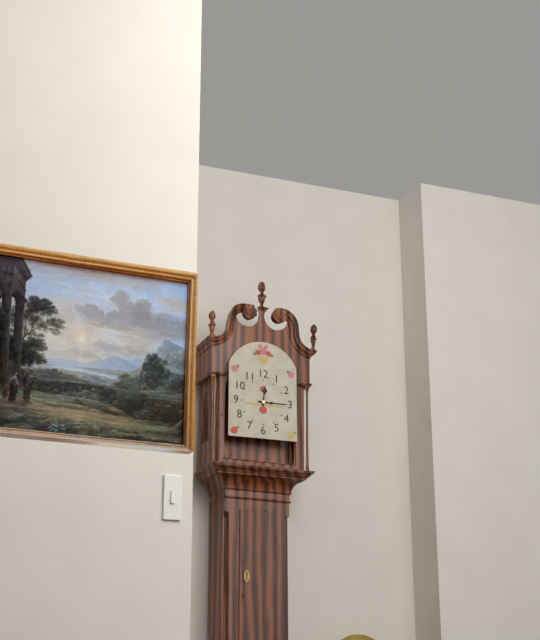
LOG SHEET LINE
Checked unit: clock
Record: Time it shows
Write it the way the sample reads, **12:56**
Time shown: **12:15**
